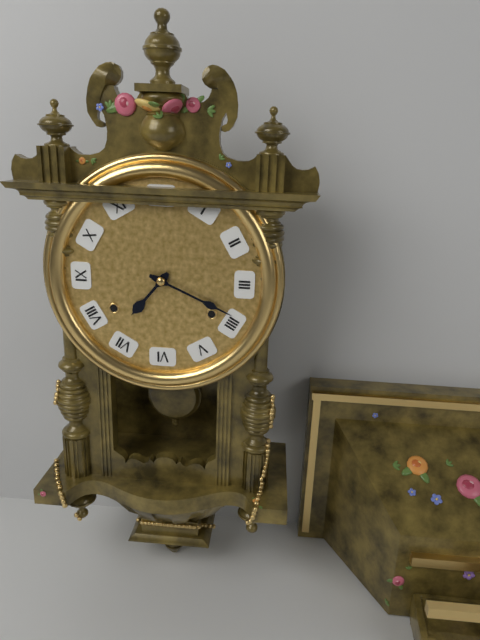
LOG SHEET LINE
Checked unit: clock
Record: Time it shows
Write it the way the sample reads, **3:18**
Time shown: **7:19**
